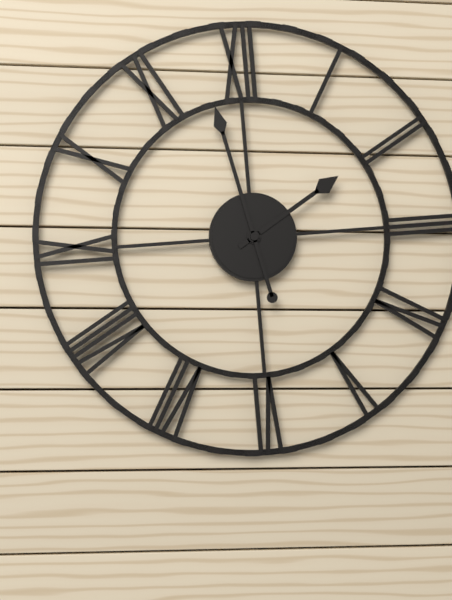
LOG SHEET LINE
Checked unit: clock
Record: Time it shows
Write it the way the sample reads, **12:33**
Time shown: **1:58**
